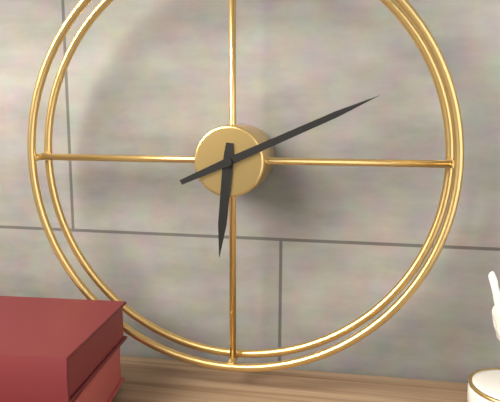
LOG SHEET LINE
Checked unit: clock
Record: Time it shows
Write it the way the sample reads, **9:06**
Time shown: **6:11**
